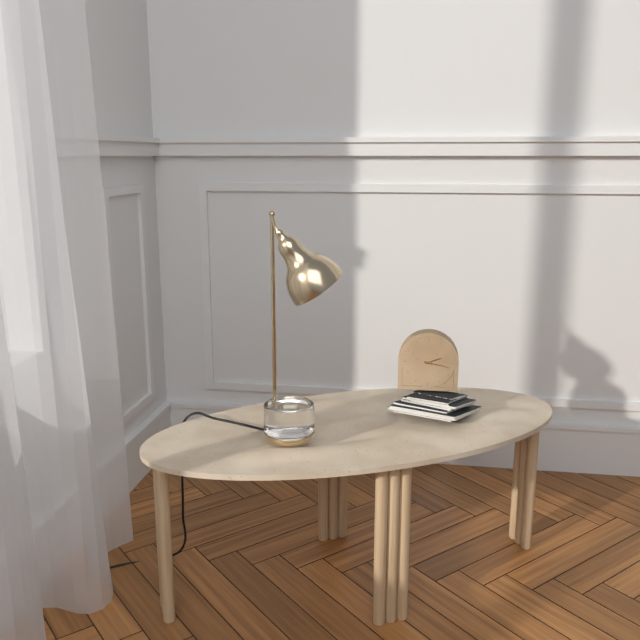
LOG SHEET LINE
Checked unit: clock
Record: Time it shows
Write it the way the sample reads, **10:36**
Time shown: **2:17**
